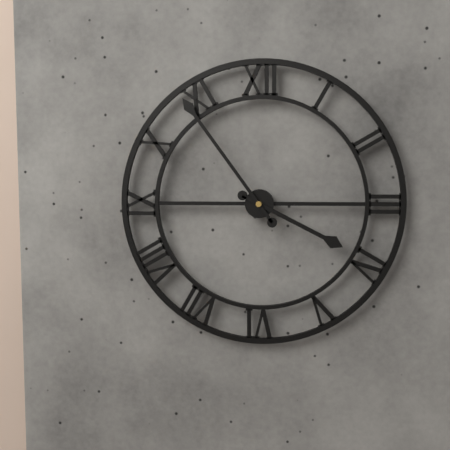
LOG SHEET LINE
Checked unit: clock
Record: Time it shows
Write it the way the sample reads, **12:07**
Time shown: **3:54**
